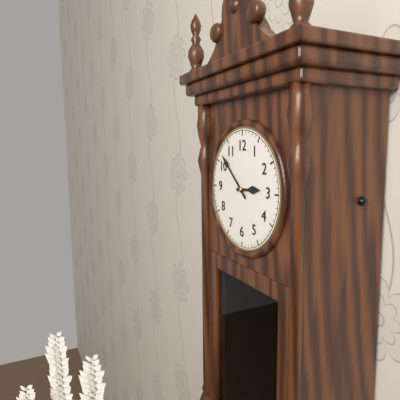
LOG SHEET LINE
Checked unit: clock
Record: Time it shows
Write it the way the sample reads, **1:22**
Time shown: **2:52**
